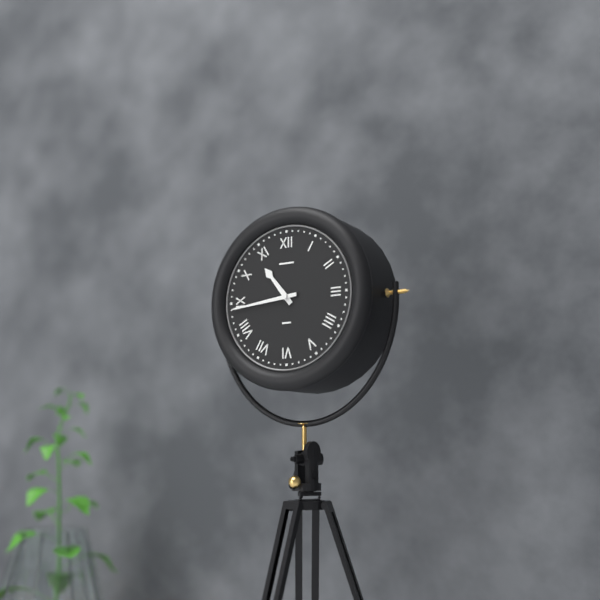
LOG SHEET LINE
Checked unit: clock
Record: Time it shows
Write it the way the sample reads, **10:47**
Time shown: **10:44**
